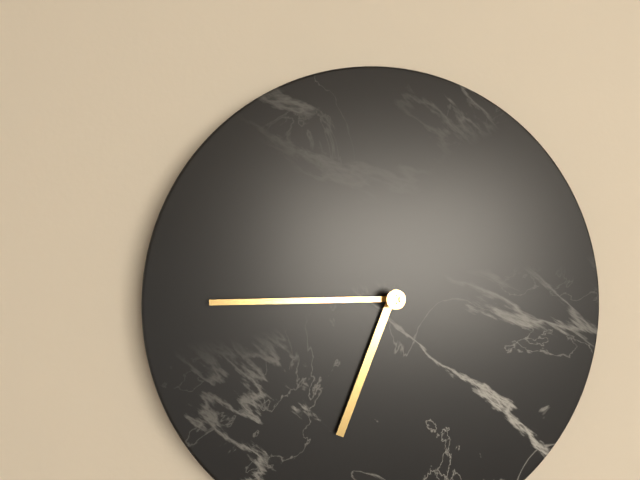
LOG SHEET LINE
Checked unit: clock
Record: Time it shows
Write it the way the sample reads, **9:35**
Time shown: **6:45**
